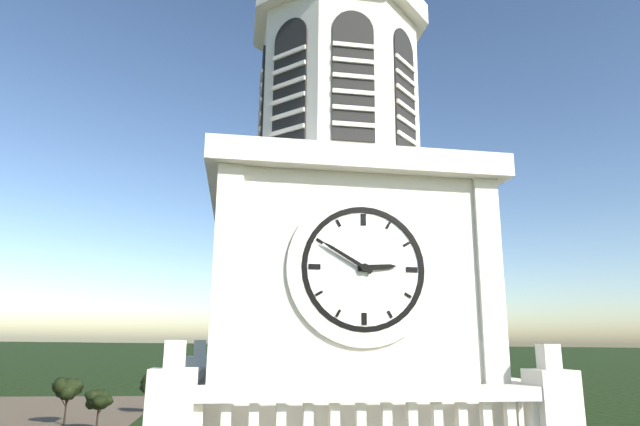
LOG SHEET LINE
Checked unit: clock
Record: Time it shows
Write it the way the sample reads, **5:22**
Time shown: **2:50**
